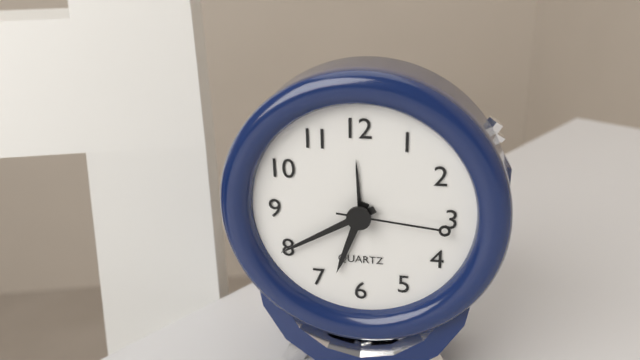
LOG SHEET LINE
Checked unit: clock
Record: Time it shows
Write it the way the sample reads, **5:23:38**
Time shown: **6:40:16**
